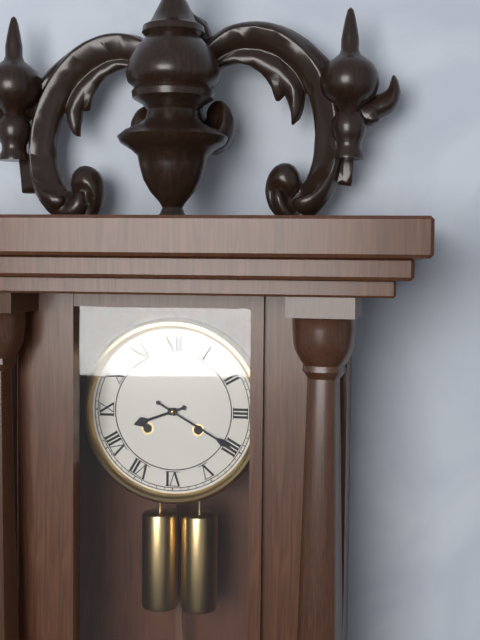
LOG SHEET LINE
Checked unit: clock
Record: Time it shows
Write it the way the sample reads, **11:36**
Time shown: **8:20**
